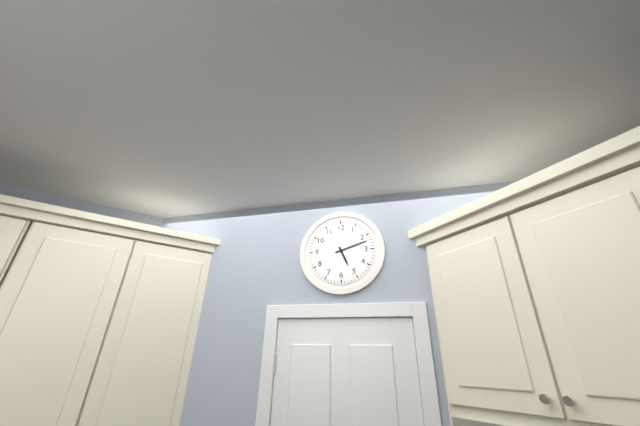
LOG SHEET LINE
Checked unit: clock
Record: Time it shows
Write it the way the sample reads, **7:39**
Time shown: **5:12**
